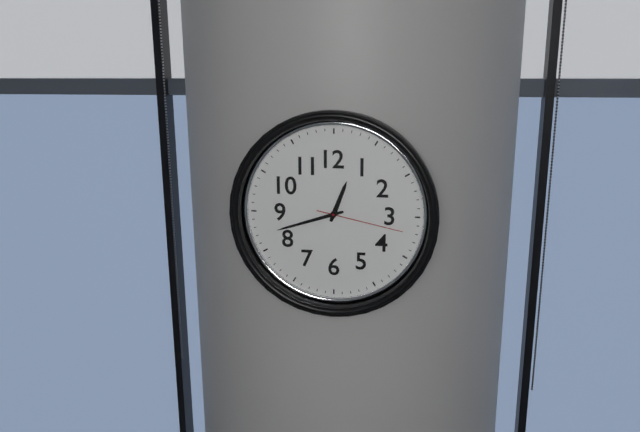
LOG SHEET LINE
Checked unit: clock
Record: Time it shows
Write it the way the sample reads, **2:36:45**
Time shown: **12:42:17**
